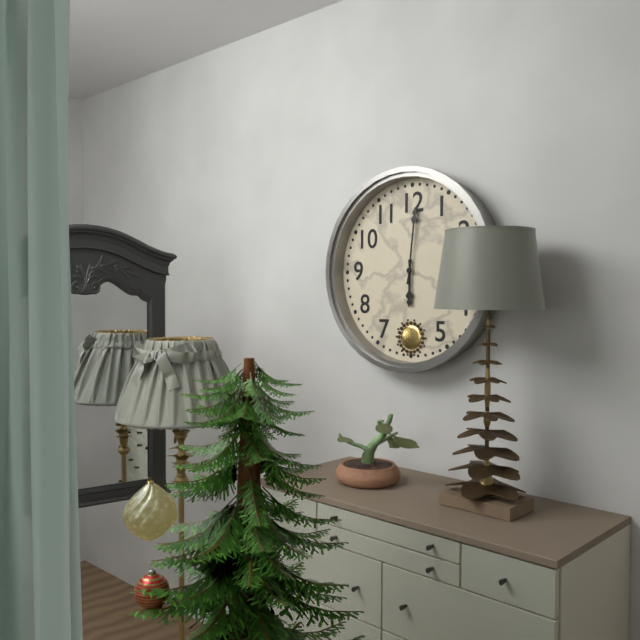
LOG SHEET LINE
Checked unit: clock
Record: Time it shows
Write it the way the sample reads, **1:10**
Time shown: **6:01**
